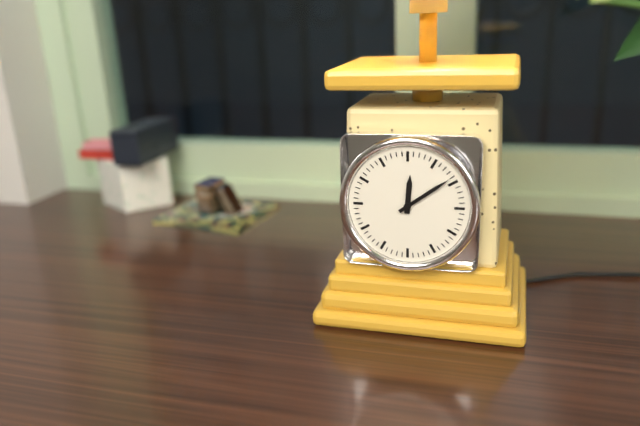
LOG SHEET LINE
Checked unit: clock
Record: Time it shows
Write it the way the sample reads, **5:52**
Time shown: **12:09**
